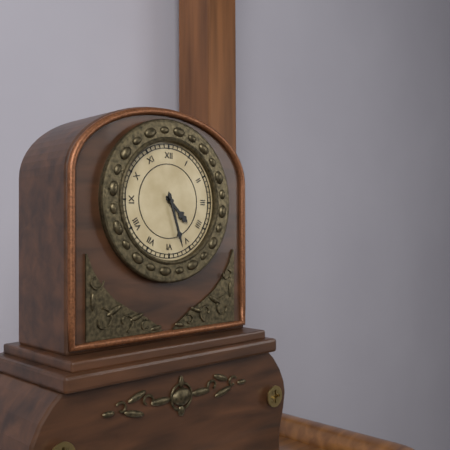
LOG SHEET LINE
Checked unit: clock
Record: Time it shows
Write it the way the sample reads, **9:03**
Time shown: **4:27**
